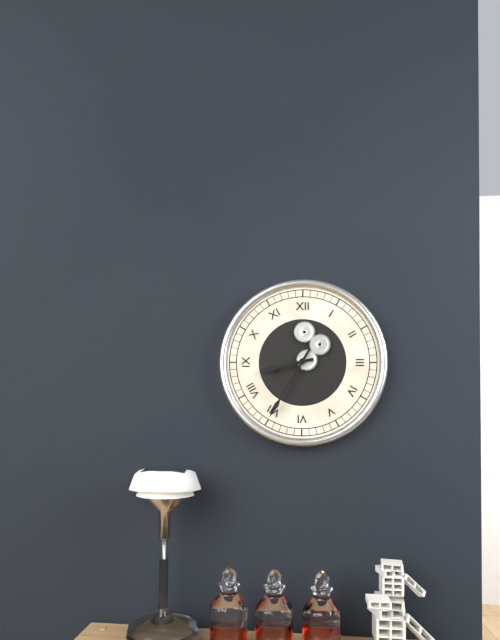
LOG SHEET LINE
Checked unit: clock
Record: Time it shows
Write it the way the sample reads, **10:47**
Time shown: **8:35**
